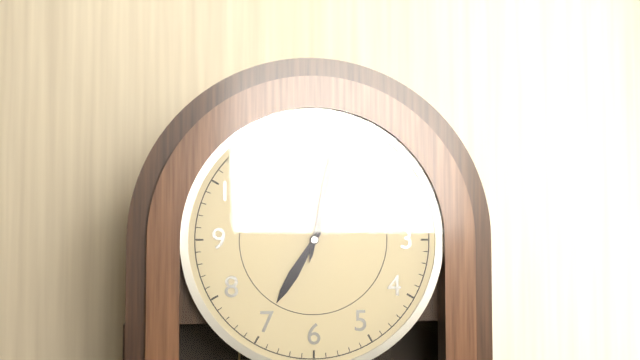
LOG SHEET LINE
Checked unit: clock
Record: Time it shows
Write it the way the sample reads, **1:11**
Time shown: **7:02**
